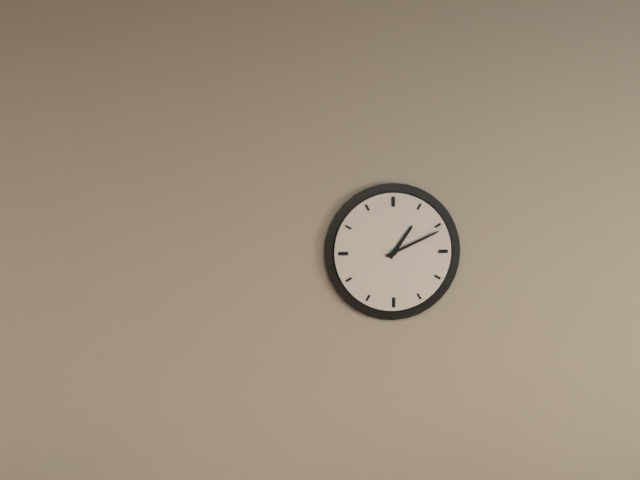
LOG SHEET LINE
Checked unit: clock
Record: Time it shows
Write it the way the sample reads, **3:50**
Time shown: **1:11**
